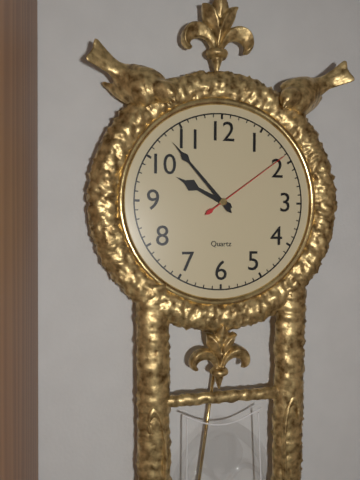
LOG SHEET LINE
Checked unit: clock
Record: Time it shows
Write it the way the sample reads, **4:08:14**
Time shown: **9:53:09**
